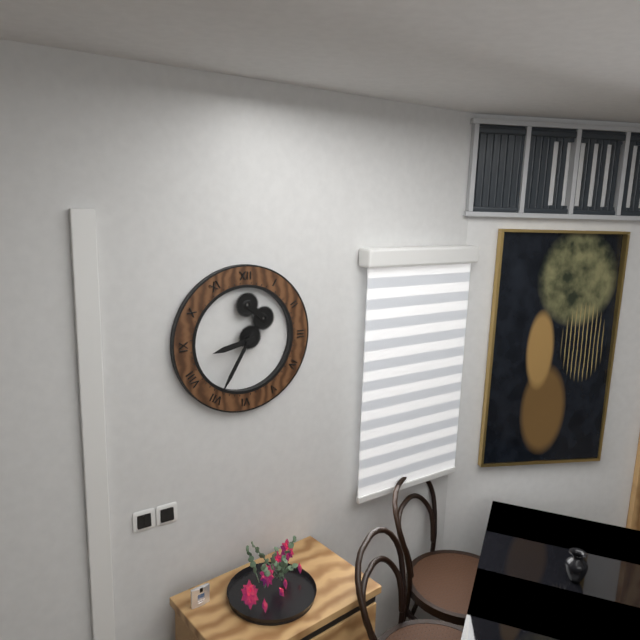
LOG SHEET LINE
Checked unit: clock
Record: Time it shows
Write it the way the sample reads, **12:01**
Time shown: **8:35**
